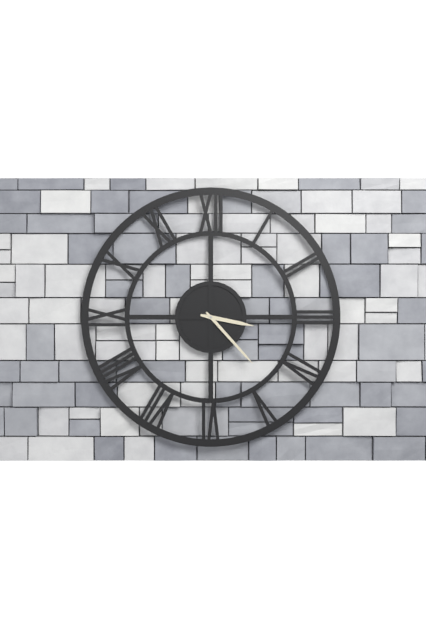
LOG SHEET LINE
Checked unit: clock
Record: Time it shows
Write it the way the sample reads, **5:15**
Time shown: **3:23**
